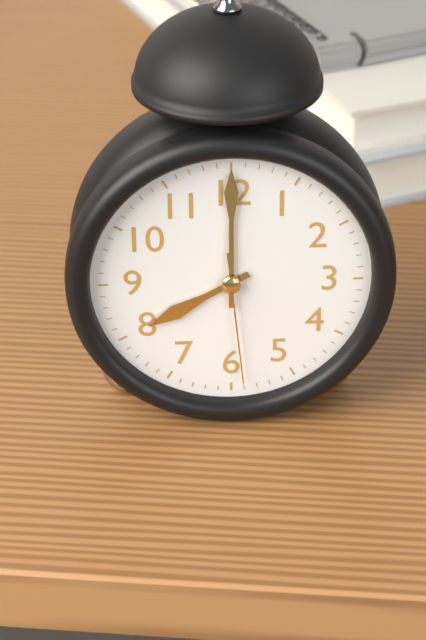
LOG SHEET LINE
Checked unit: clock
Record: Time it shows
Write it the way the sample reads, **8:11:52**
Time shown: **8:00:29**
